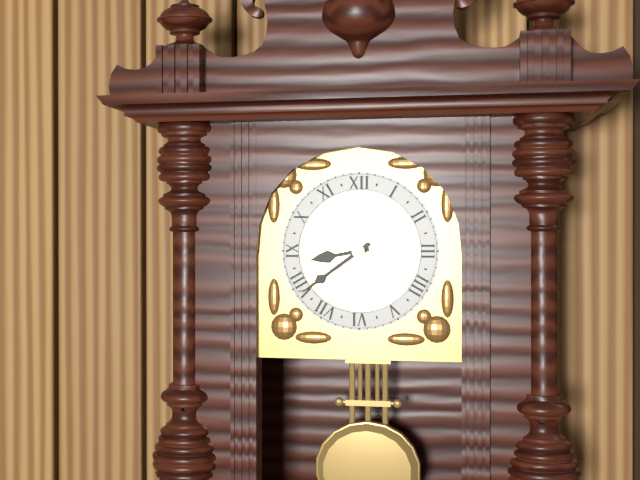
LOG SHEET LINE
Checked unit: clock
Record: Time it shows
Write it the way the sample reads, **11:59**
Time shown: **8:39**
